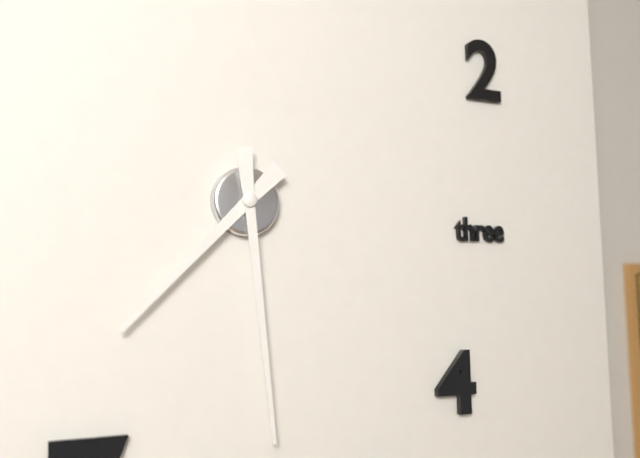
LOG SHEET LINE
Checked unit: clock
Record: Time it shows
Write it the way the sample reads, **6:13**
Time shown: **7:29**
